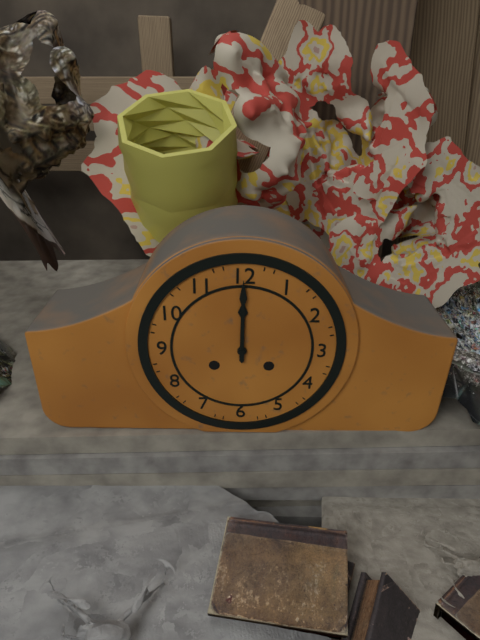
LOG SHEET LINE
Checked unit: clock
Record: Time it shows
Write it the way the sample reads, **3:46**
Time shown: **12:00**
